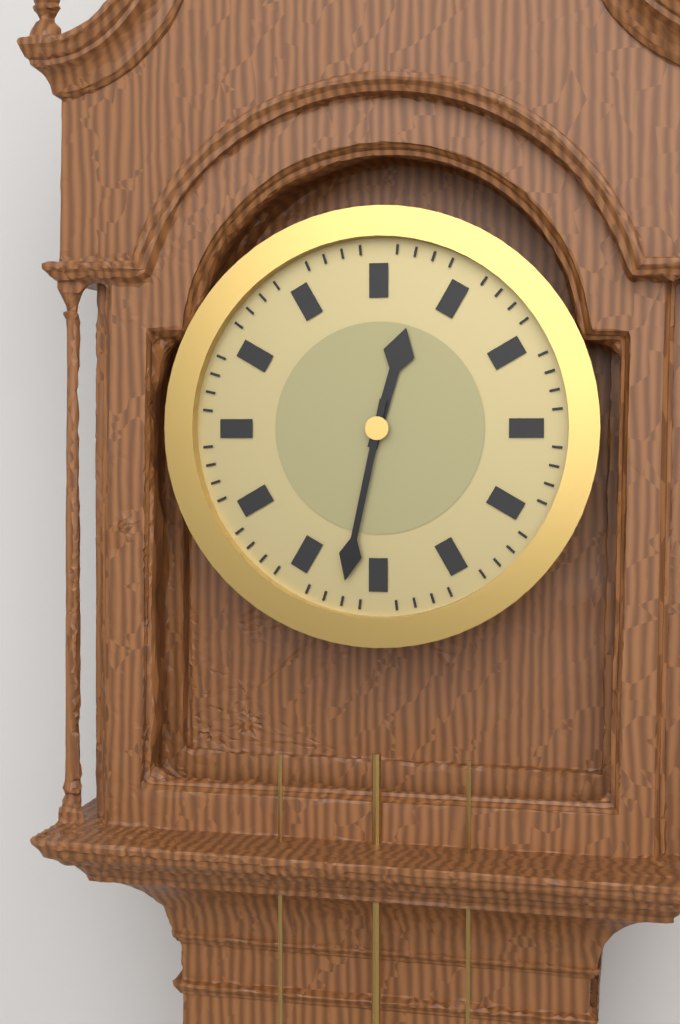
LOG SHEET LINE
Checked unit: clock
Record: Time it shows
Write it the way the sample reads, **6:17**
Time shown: **12:32**
